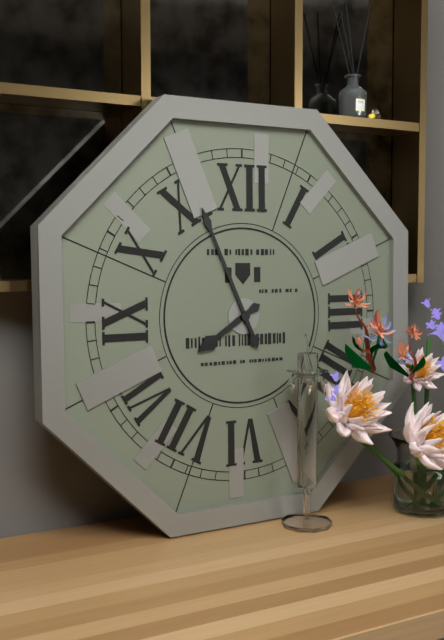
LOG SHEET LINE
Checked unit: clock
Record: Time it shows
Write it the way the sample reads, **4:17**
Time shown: **7:56**
